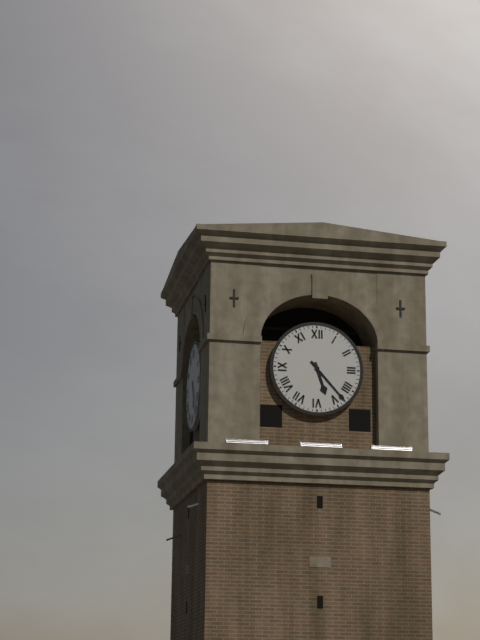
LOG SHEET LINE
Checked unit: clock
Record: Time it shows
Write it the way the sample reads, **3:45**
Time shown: **5:23**
